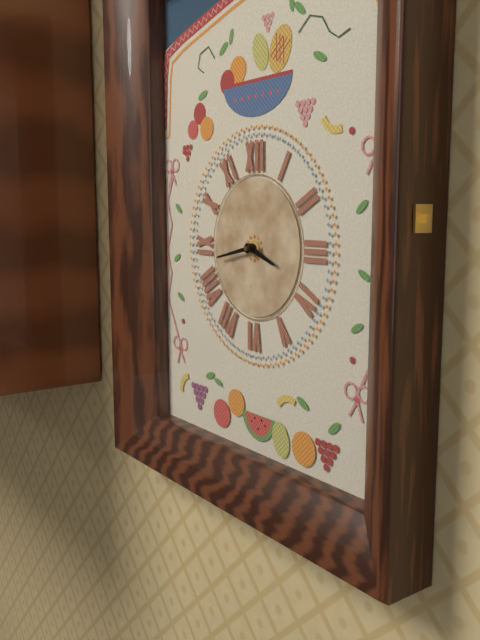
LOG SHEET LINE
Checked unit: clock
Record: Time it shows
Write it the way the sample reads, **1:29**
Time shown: **3:43**
